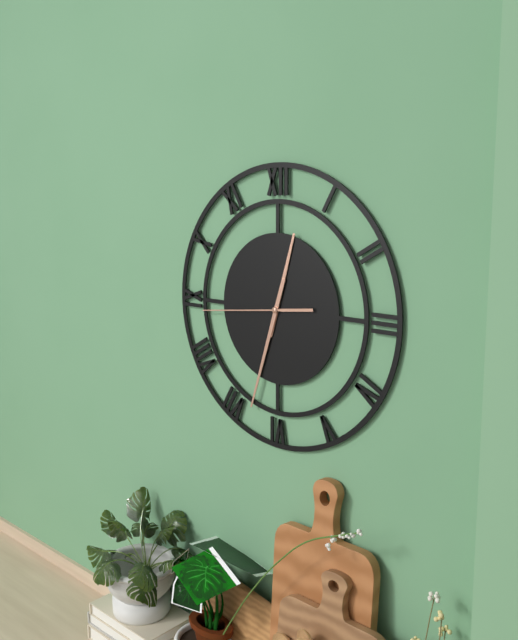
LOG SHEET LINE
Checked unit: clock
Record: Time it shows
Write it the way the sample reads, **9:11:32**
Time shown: **12:33:44**
